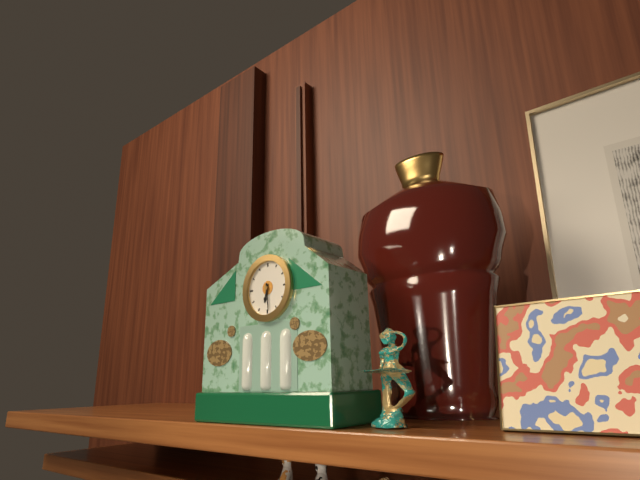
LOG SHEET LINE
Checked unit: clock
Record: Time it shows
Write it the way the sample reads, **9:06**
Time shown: **6:29**
